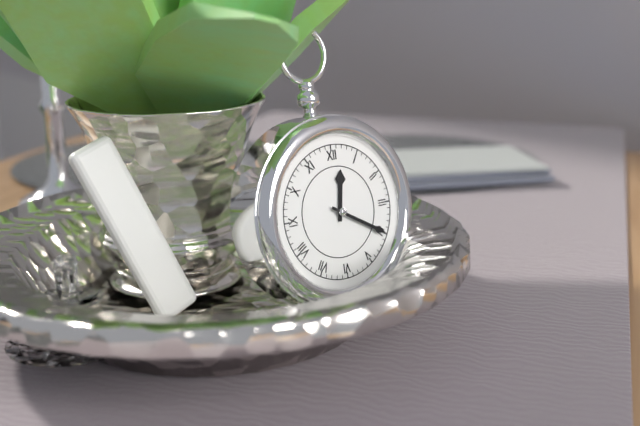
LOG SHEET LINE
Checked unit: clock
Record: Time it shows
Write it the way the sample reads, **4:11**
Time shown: **12:20**
